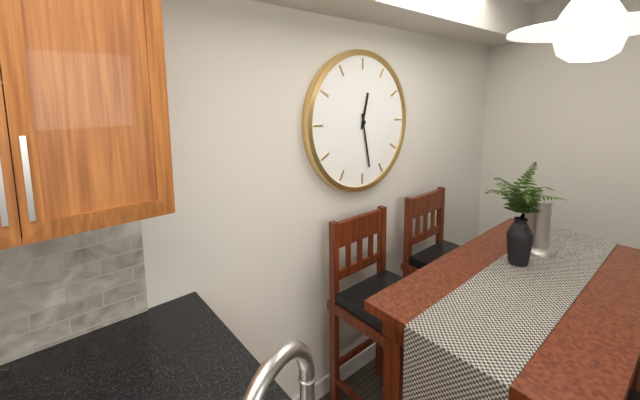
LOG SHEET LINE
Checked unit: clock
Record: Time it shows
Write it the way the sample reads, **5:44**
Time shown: **12:28**
